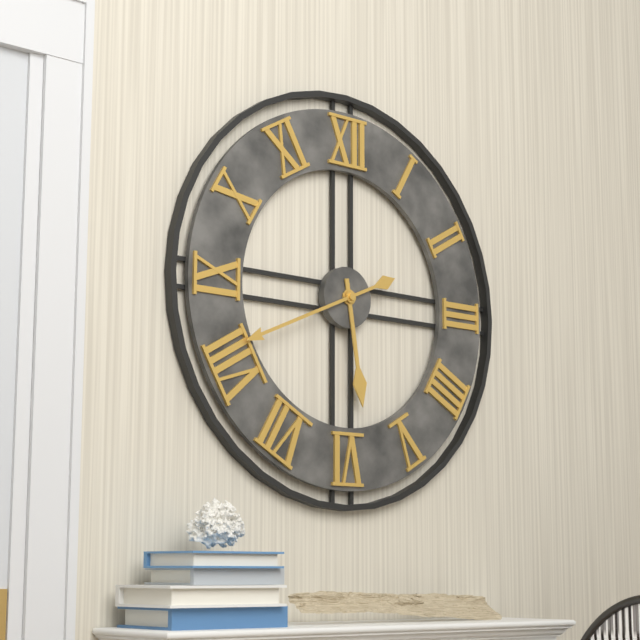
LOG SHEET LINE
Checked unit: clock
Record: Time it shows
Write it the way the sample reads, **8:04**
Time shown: **5:41**
